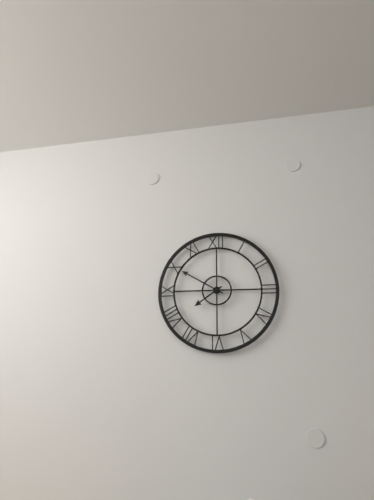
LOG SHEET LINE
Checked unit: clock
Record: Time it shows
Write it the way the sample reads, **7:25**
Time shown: **7:50**
